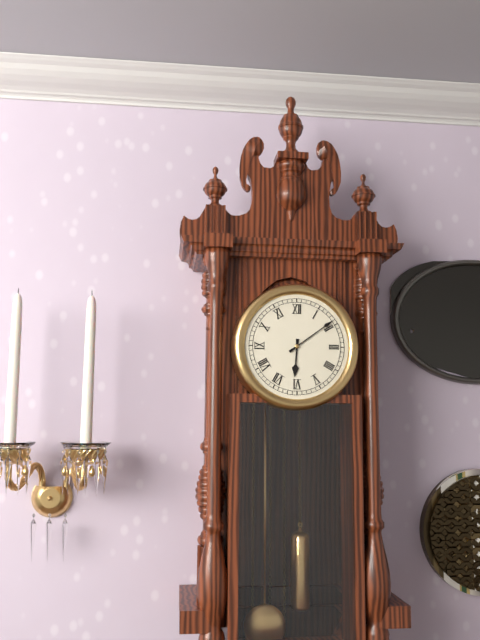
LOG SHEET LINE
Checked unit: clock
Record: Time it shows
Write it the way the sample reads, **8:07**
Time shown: **6:09**
